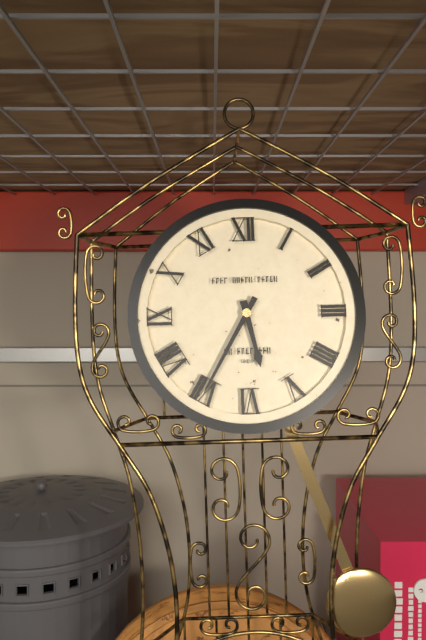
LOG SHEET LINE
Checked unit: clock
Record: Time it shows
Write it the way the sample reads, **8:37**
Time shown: **5:35**
